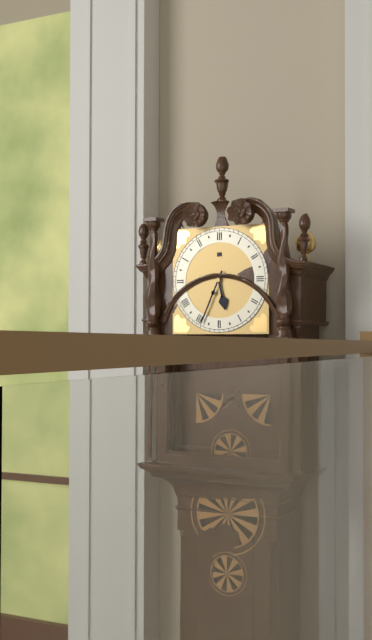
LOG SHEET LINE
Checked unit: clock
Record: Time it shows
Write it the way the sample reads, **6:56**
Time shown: **5:34**
